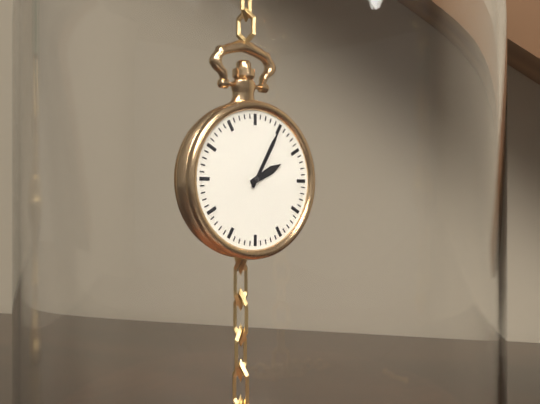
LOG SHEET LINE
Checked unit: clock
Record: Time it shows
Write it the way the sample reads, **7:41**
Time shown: **2:05**
